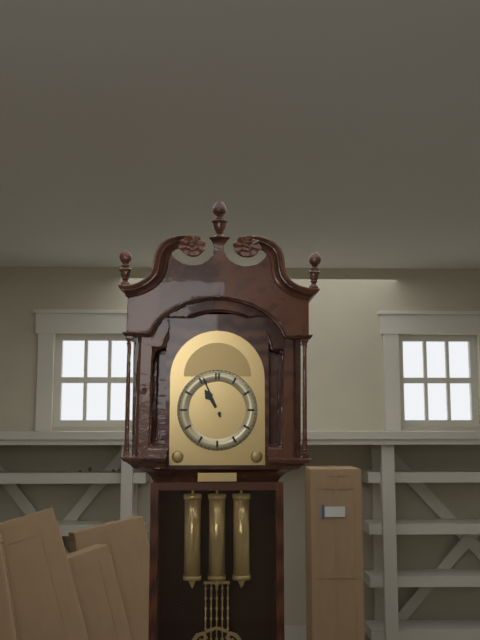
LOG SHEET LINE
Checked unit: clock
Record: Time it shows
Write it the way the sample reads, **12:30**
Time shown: **10:56**
